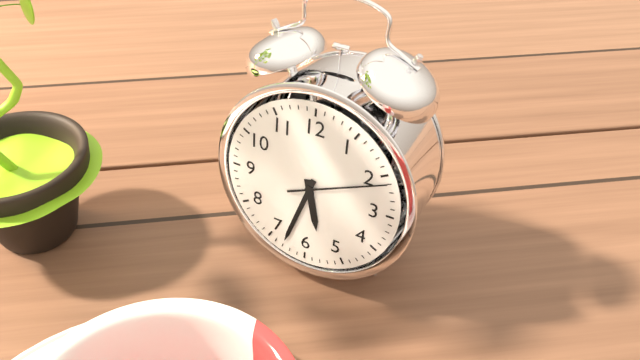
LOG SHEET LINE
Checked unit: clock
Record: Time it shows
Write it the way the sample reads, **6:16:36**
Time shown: **5:33:11**
